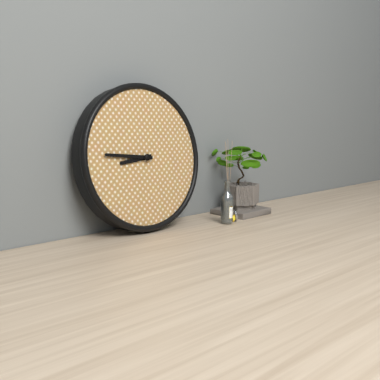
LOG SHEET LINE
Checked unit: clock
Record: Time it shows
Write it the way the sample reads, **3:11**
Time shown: **8:46**
